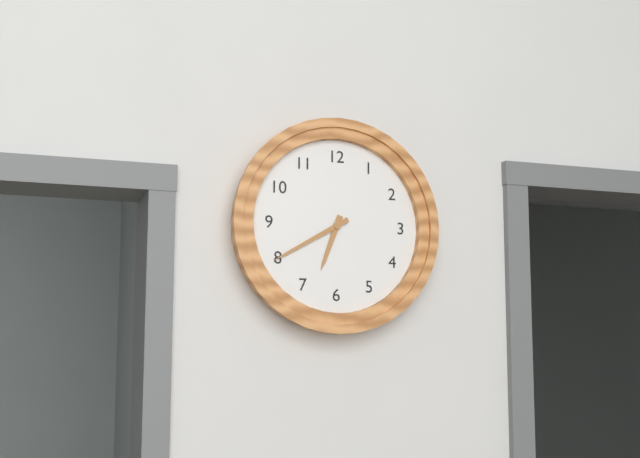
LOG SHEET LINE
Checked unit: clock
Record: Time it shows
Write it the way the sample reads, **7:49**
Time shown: **6:40**
